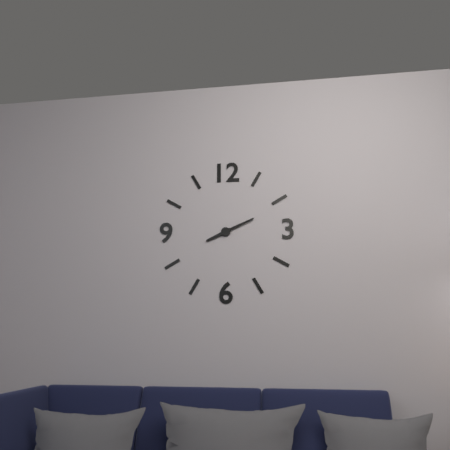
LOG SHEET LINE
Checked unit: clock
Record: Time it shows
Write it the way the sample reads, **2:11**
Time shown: **8:11**
